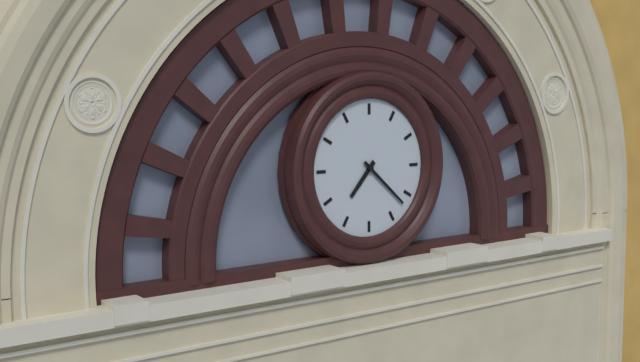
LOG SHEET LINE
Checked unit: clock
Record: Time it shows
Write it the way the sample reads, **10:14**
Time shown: **7:22**
